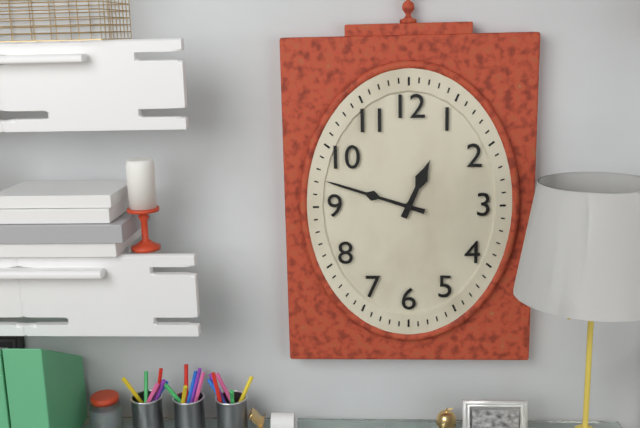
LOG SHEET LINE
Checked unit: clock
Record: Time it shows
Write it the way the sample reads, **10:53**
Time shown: **12:48**
